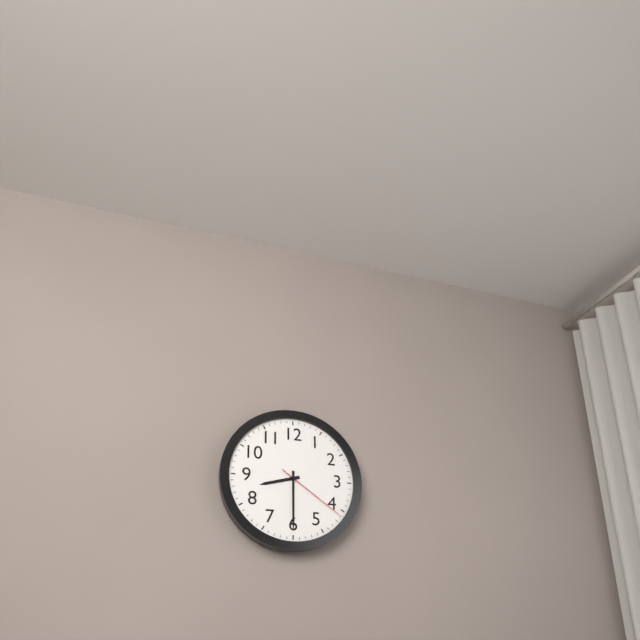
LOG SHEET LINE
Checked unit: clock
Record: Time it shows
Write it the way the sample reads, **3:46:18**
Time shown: **8:30:21**
